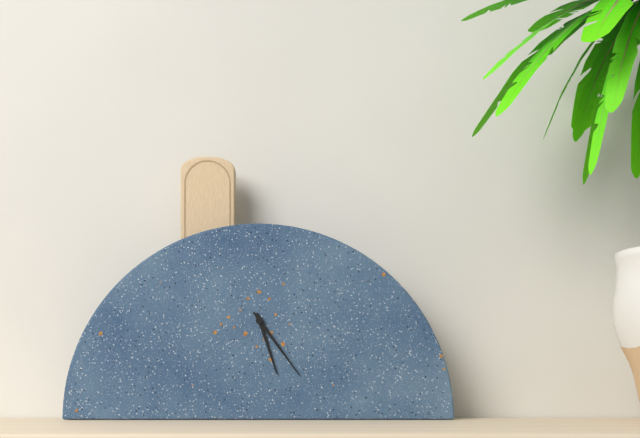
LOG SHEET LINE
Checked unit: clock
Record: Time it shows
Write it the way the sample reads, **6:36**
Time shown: **5:24**
